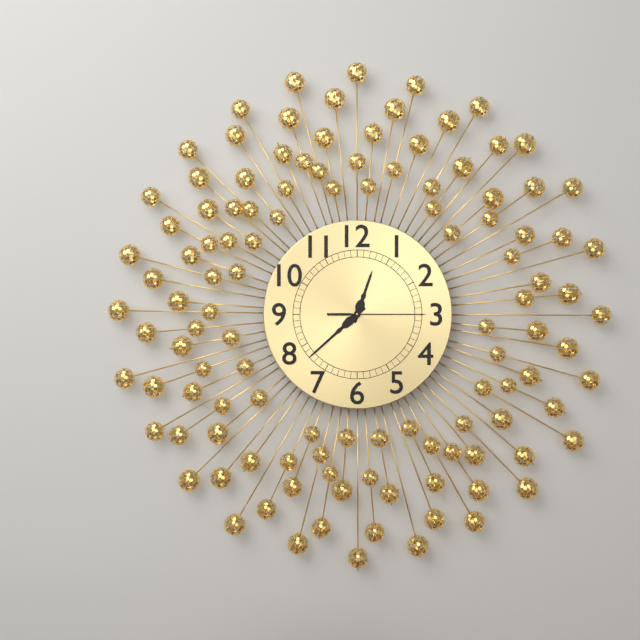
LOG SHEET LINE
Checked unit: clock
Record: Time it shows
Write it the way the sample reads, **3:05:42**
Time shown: **12:38:15**
